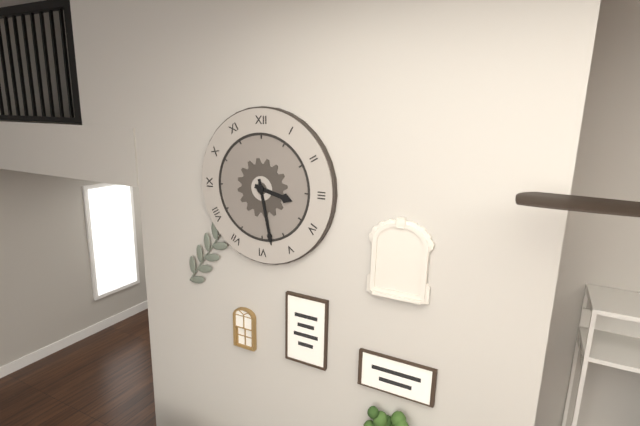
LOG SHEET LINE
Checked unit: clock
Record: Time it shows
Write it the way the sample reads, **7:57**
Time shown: **3:28**
